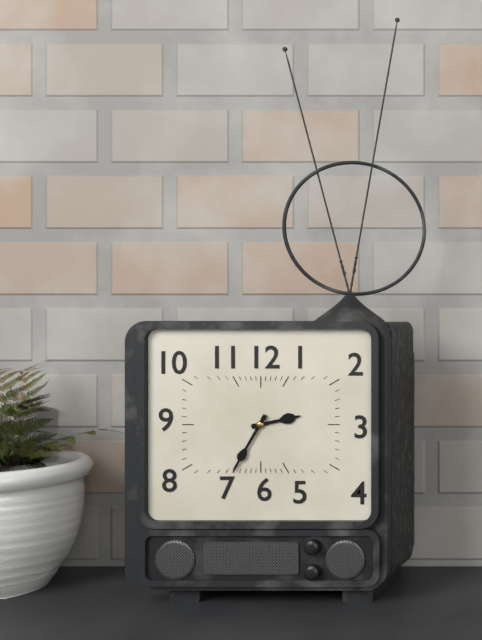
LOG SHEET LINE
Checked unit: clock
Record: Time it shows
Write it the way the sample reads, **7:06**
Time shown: **2:35**
